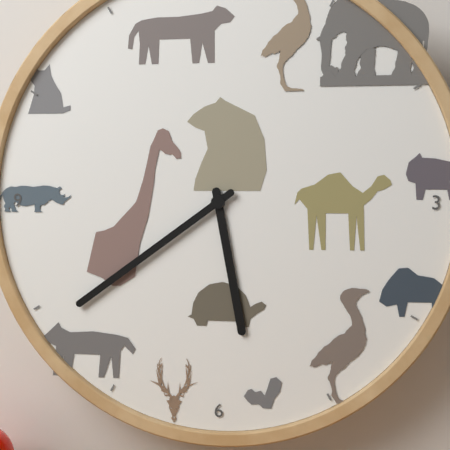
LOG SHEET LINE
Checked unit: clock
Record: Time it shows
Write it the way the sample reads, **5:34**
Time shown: **5:39**
